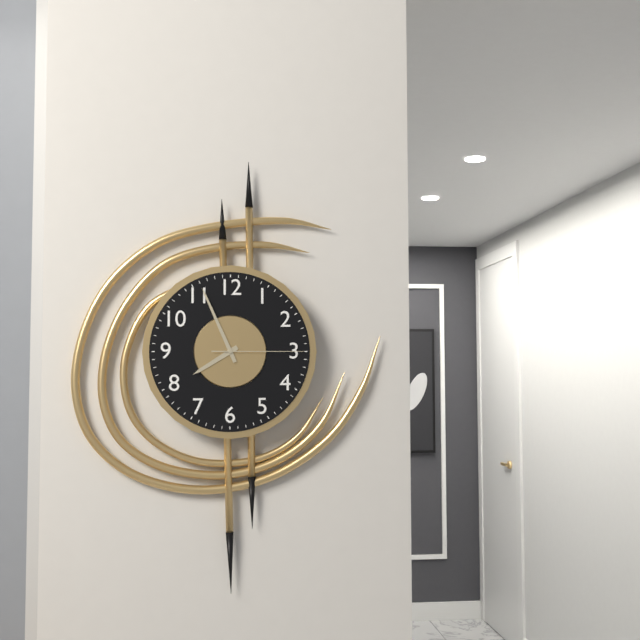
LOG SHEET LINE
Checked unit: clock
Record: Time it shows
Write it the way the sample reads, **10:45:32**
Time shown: **7:56:15**
